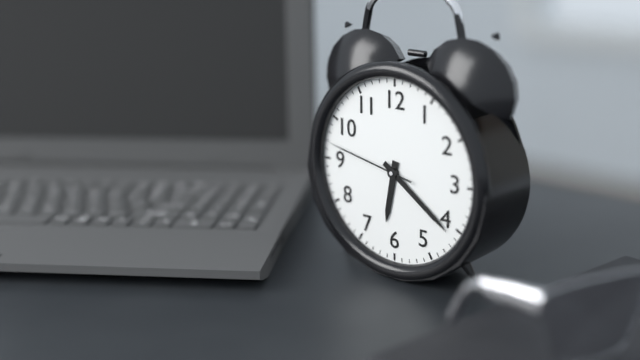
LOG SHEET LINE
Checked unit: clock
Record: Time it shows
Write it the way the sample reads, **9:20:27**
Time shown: **6:21:47**
